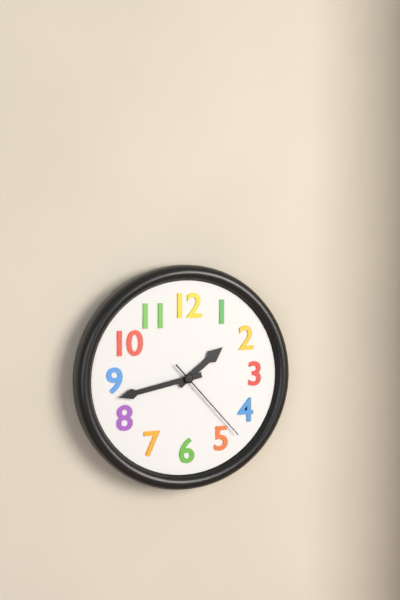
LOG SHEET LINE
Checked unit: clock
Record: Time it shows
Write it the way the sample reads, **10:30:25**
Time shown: **1:43:23**
